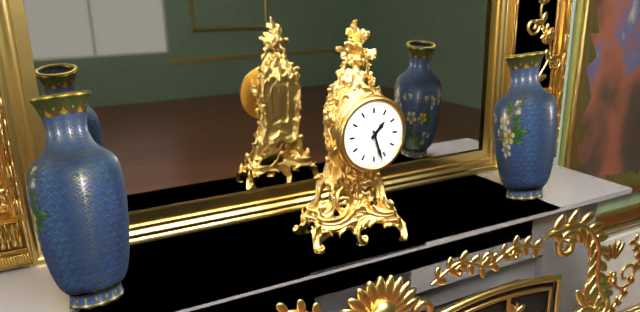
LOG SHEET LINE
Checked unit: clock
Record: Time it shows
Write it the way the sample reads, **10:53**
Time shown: **1:27**
